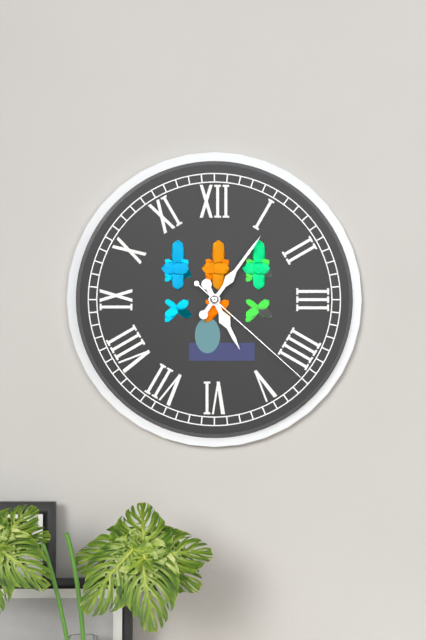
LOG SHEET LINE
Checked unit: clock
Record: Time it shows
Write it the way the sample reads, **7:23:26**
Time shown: **5:06:22**
